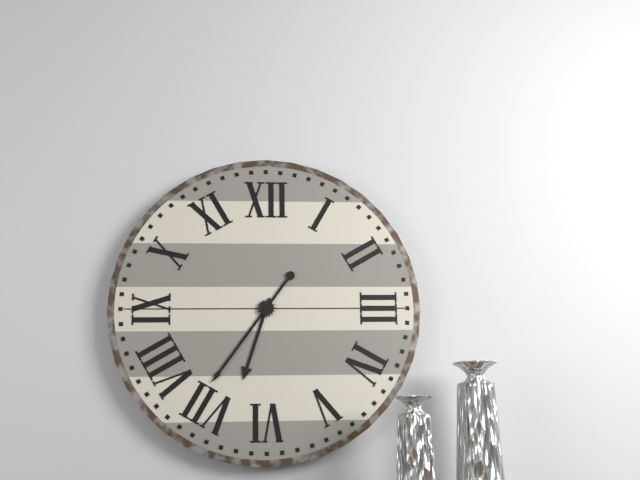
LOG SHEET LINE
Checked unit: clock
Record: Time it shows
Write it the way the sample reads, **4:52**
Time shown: **6:36**
